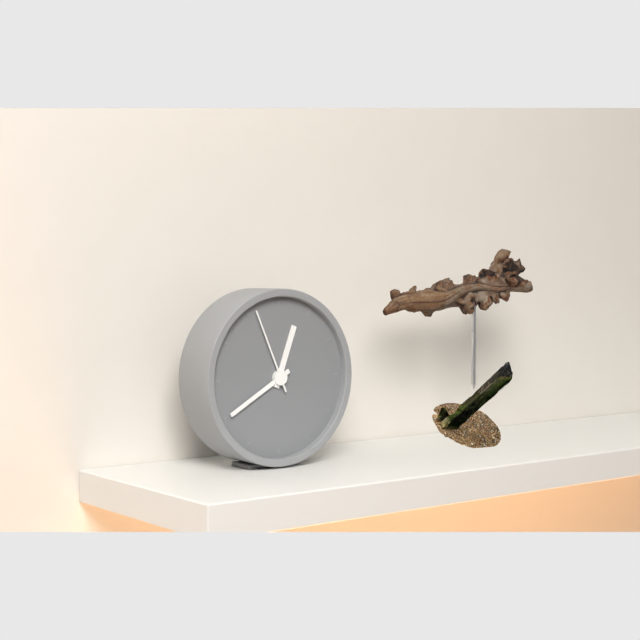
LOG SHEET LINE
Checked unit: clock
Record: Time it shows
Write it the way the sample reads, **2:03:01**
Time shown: **12:40:56**
